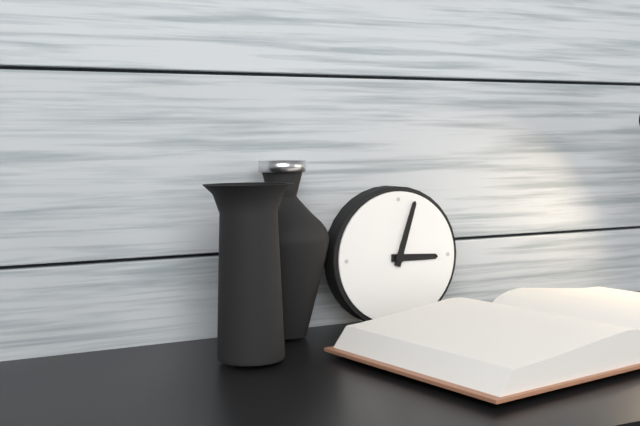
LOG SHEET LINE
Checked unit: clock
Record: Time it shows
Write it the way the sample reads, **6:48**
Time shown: **3:03**
